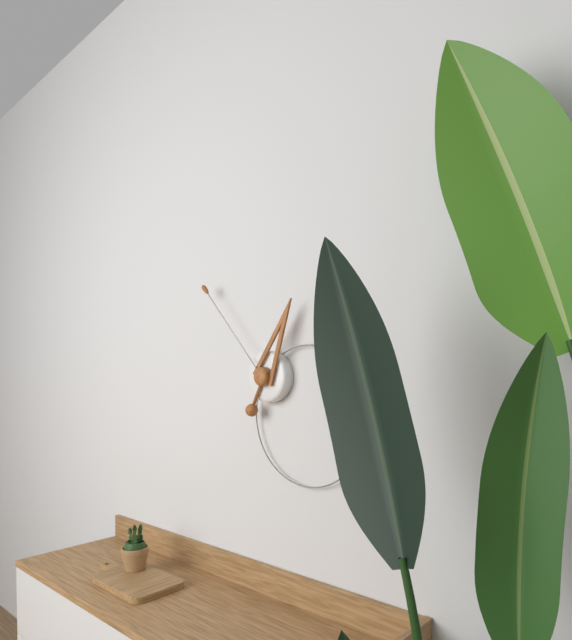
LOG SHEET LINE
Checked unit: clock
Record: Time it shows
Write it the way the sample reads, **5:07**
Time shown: **12:53**
